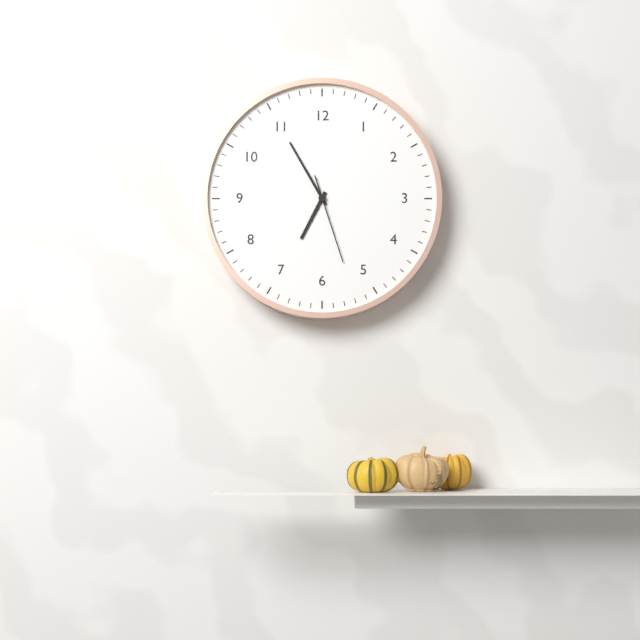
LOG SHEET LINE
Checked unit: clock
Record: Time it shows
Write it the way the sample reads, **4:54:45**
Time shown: **6:55:27**
